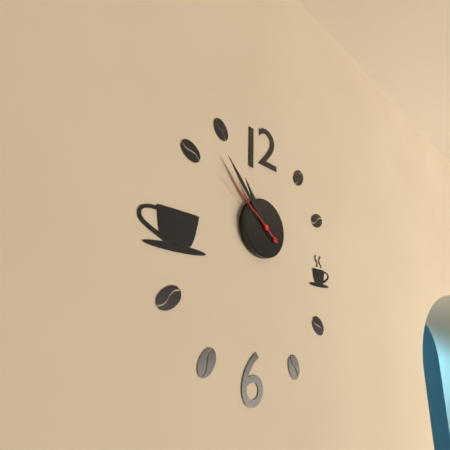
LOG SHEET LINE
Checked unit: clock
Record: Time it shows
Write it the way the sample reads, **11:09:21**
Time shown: **10:53:51**
